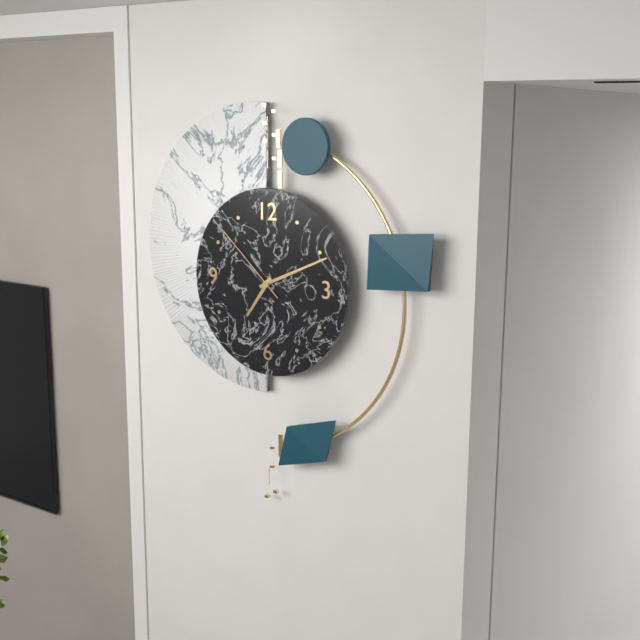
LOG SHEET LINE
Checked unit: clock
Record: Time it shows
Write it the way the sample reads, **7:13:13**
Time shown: **7:11:52**
